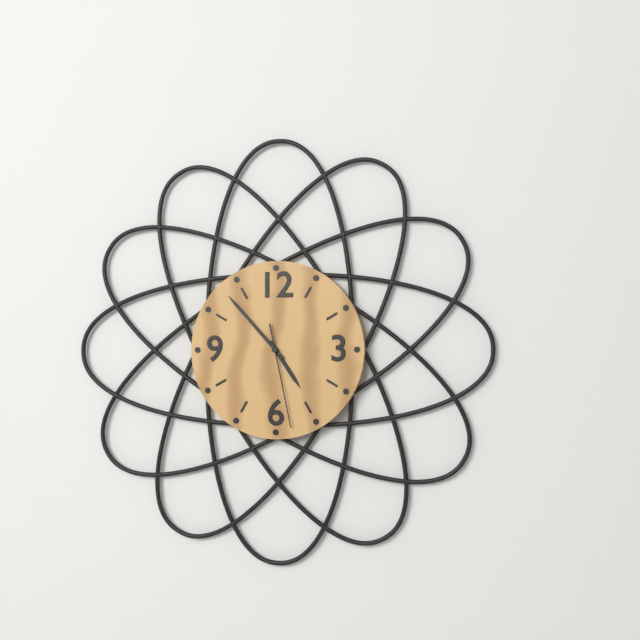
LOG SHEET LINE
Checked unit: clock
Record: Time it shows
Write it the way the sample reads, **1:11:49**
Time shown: **4:53:28**
